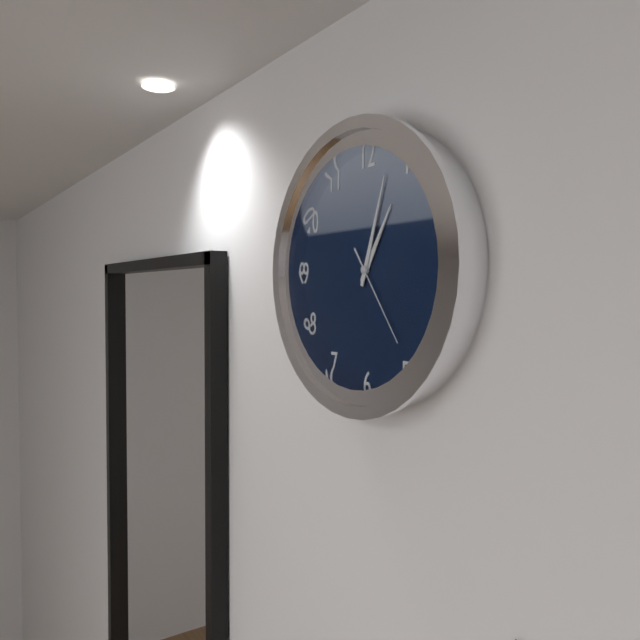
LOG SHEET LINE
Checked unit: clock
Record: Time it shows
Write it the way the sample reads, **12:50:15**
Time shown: **1:03:24**
